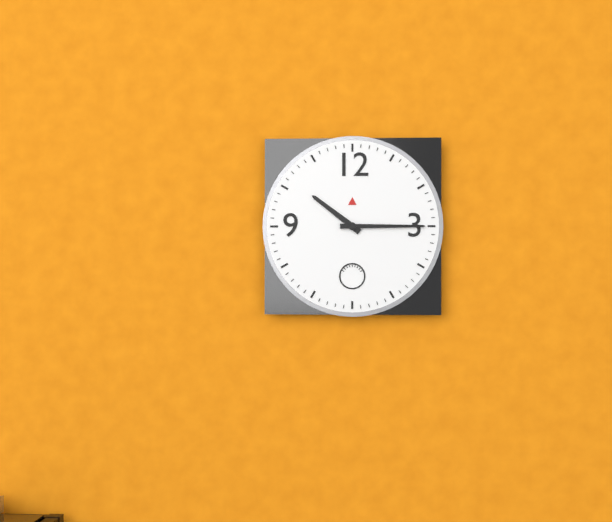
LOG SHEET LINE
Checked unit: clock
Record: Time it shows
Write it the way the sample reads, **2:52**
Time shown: **10:15**
